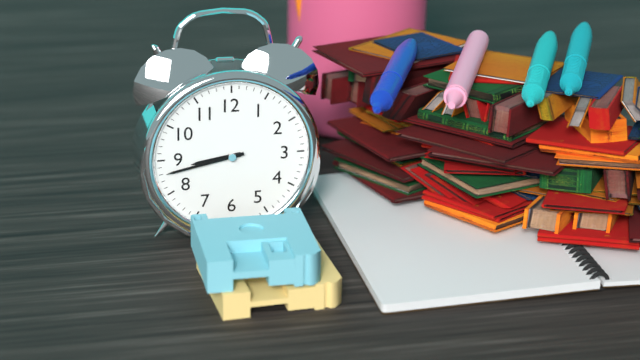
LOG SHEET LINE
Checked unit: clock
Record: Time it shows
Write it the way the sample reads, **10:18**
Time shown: **8:43**
